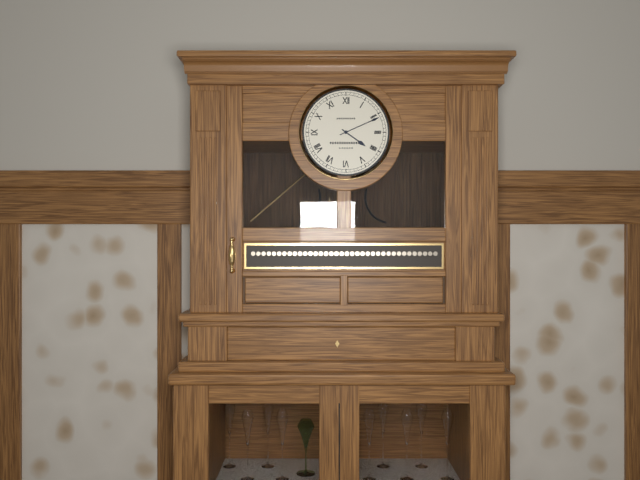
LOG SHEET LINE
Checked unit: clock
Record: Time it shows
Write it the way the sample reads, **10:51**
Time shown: **4:11**
